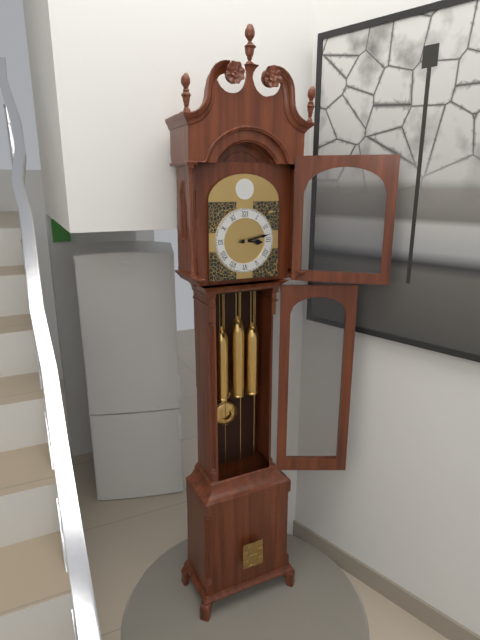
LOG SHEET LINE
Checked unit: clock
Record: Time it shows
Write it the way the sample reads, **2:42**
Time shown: **3:13**
